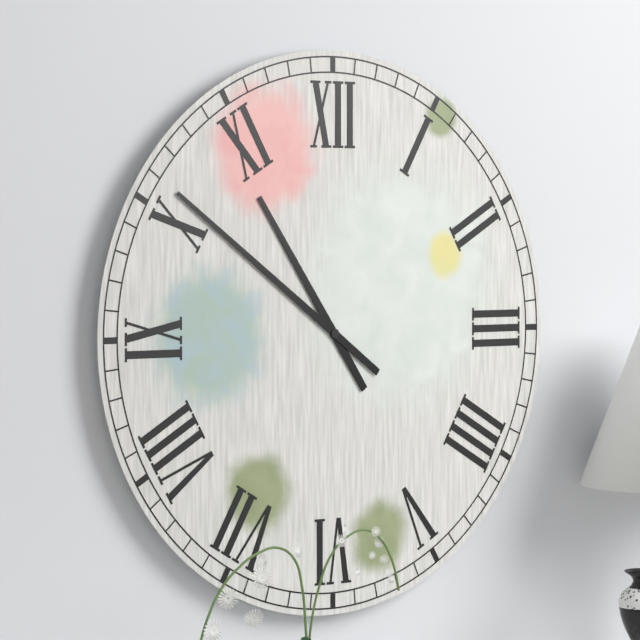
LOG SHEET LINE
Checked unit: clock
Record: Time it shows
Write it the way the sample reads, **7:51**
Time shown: **10:51**
